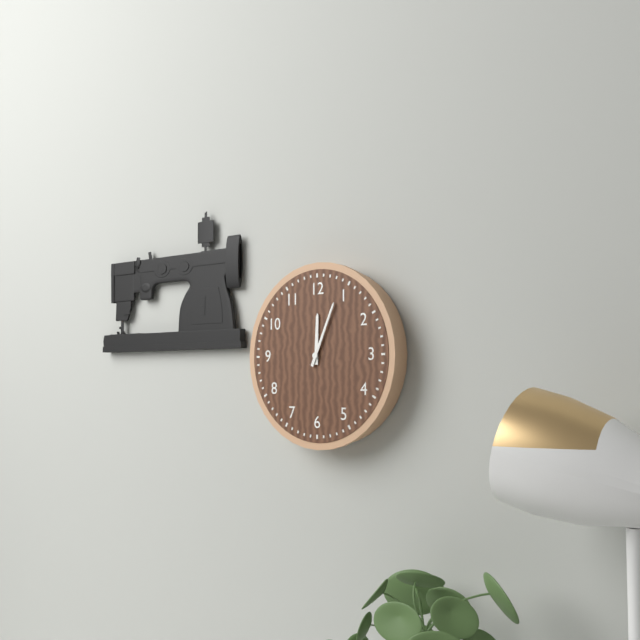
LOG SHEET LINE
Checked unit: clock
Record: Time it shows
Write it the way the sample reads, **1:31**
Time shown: **12:04**
